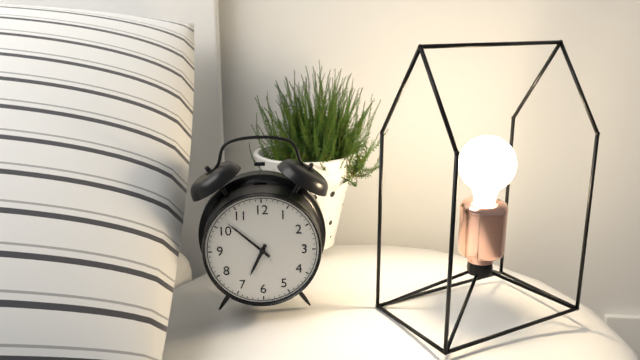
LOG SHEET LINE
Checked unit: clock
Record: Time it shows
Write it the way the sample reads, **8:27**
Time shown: **6:52**
